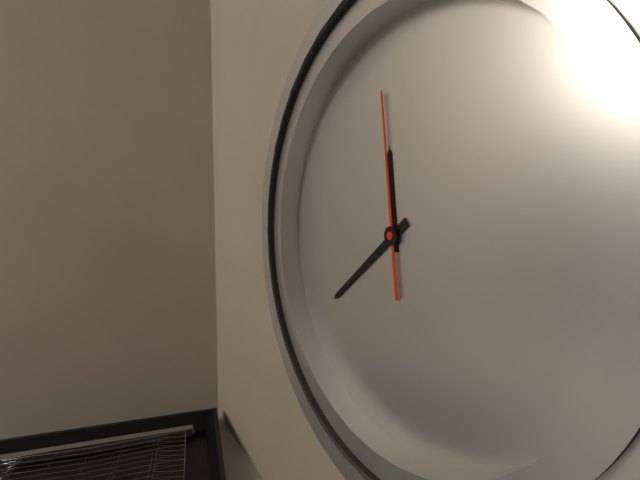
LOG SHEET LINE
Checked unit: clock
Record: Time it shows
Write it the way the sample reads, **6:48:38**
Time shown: **11:38:58**
